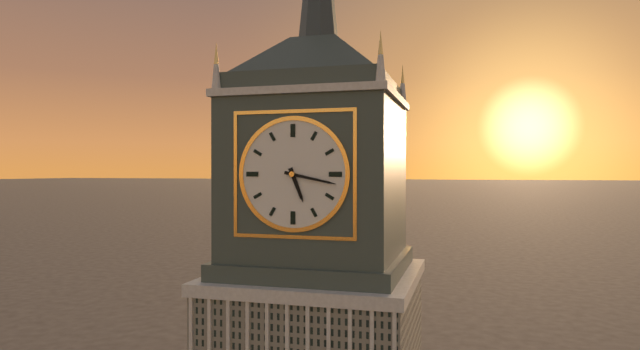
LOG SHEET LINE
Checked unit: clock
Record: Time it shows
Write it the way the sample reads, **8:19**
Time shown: **5:17**
